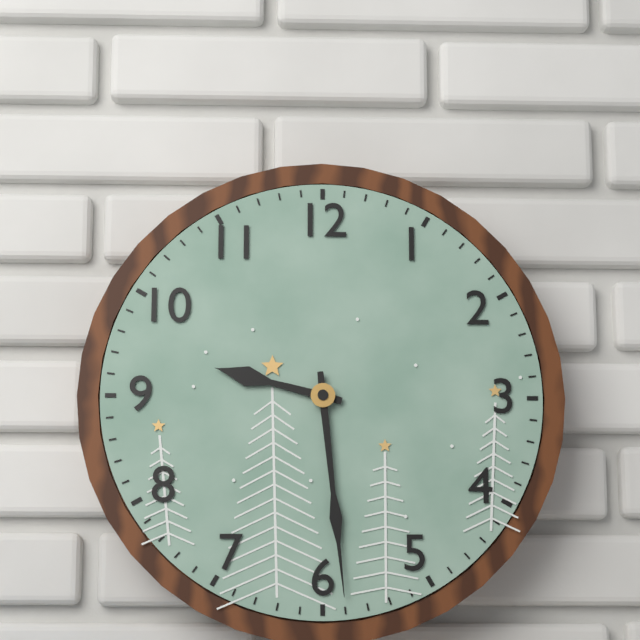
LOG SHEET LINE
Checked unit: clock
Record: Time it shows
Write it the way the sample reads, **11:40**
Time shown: **9:29**
